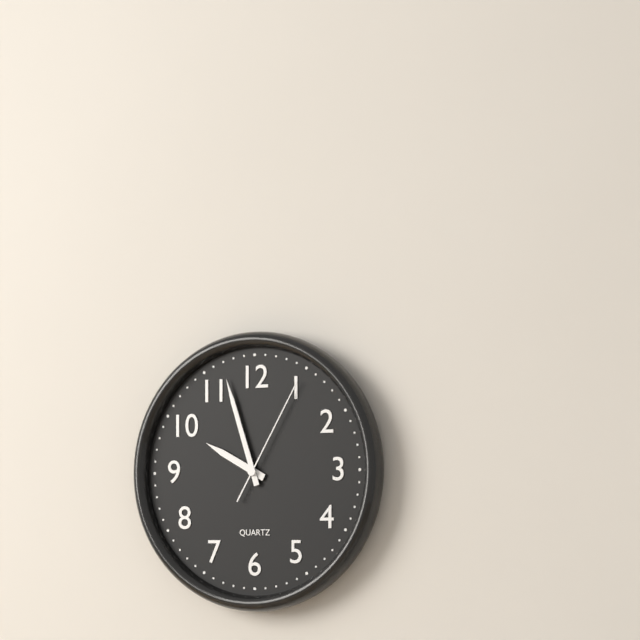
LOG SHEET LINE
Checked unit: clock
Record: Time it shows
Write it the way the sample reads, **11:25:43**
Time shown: **9:57:05**
